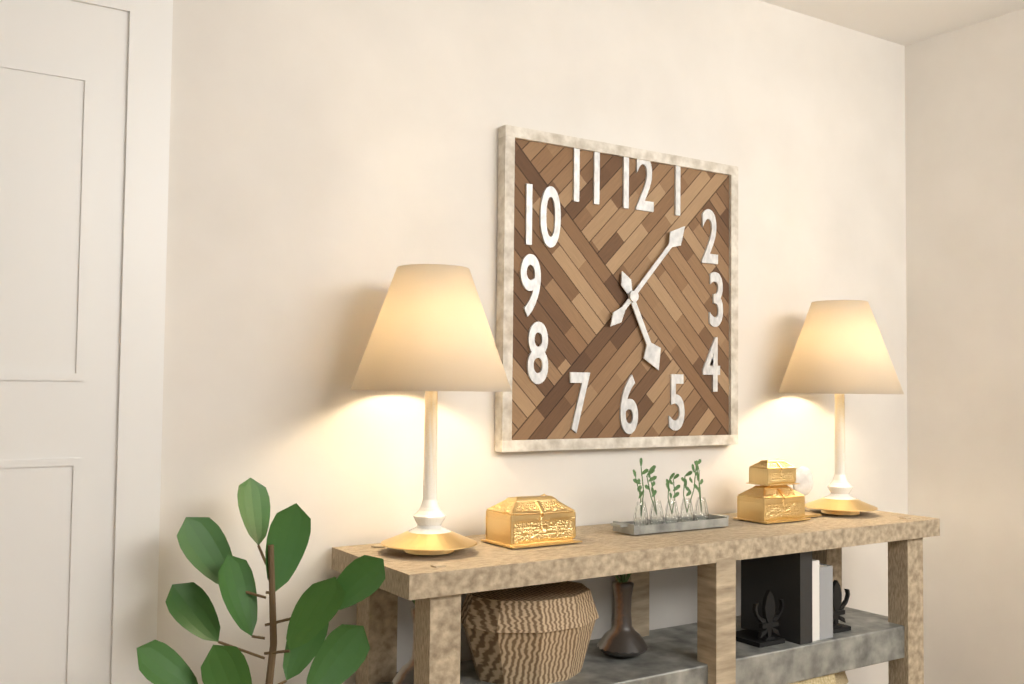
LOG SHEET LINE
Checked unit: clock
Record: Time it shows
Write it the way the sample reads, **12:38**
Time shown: **5:07**
